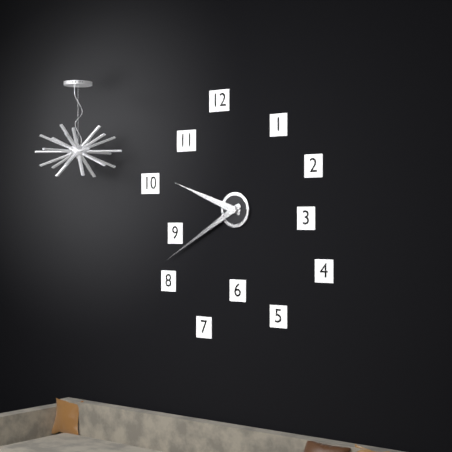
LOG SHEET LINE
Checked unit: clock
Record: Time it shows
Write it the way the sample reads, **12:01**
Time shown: **9:40**
